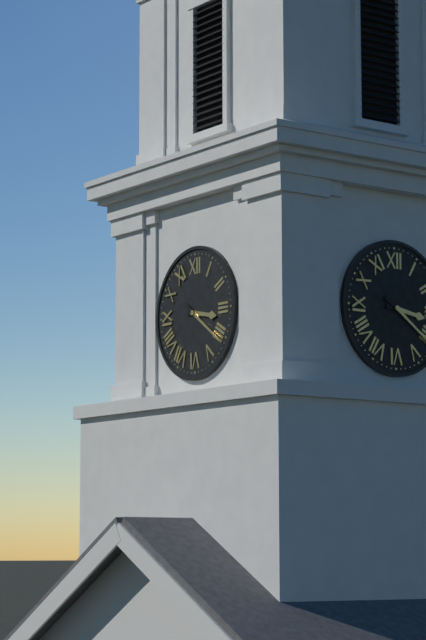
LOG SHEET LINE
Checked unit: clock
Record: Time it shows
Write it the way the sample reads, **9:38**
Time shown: **3:21**
